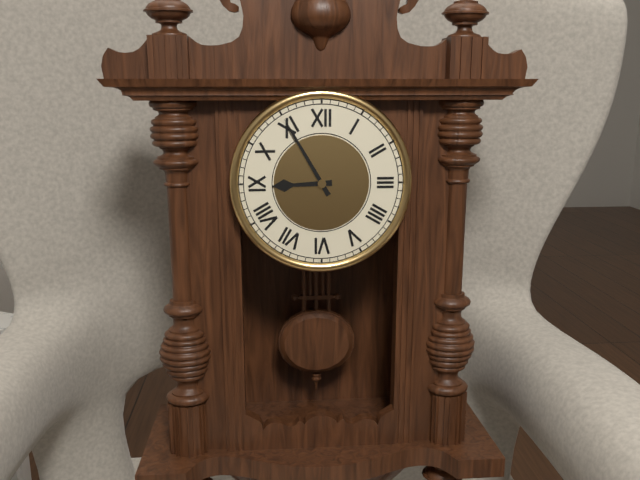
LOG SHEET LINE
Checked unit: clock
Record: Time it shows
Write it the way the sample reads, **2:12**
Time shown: **8:55**
